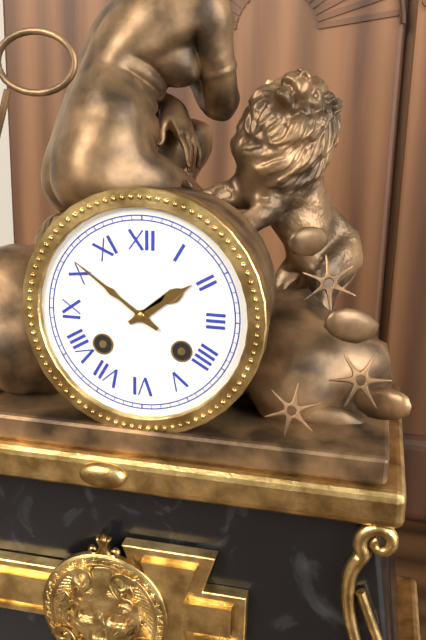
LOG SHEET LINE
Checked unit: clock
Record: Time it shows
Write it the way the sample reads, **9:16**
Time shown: **1:51**
